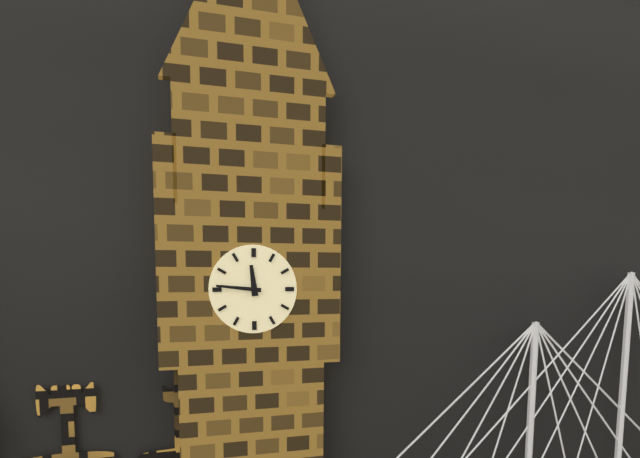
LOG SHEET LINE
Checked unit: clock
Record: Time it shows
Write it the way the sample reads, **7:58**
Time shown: **11:46**
